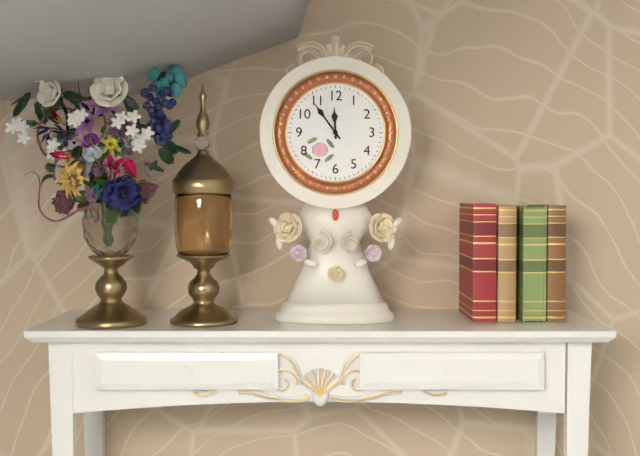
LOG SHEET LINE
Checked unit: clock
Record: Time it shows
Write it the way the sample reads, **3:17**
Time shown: **11:54**
